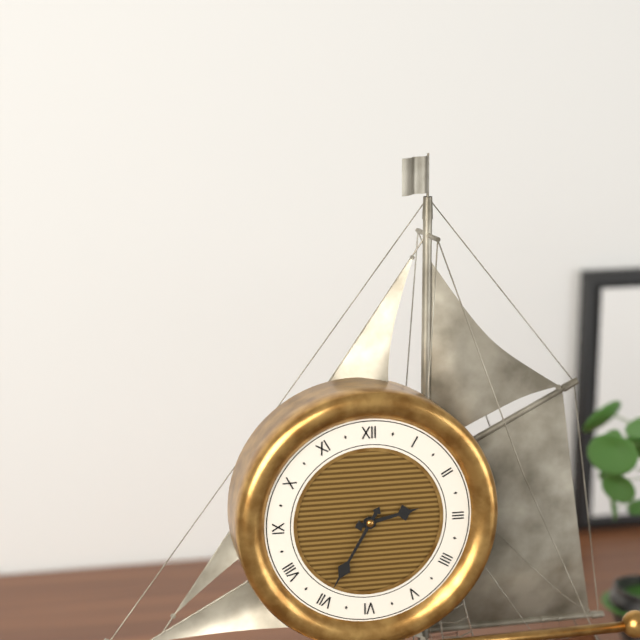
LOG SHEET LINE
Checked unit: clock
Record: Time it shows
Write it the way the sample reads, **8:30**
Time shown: **2:35**
